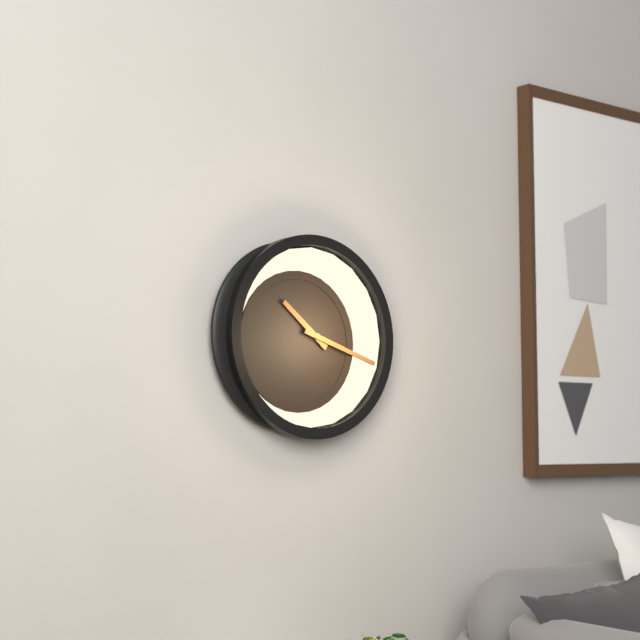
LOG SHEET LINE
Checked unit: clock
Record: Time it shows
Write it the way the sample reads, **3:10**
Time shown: **10:18**
